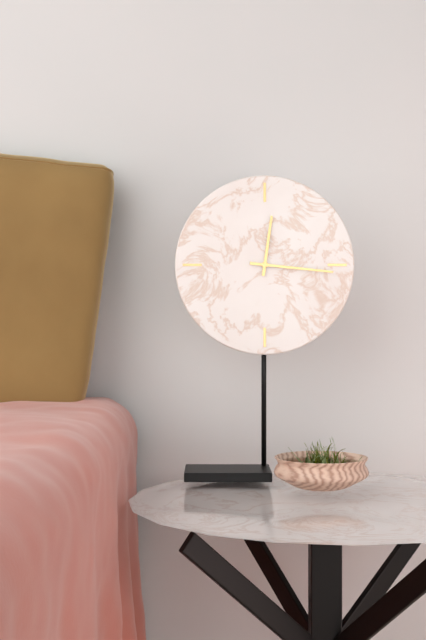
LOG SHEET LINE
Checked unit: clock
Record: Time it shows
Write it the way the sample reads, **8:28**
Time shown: **12:16**
